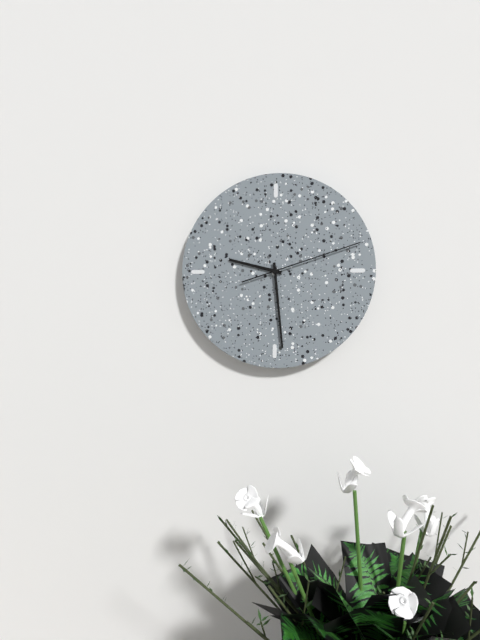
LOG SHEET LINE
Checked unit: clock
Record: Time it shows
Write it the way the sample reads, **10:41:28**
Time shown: **9:29:12**
